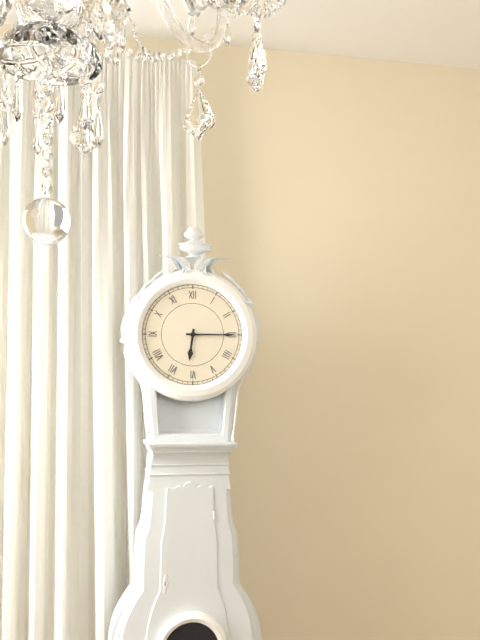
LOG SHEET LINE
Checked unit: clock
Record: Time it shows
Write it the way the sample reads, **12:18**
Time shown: **6:15**
